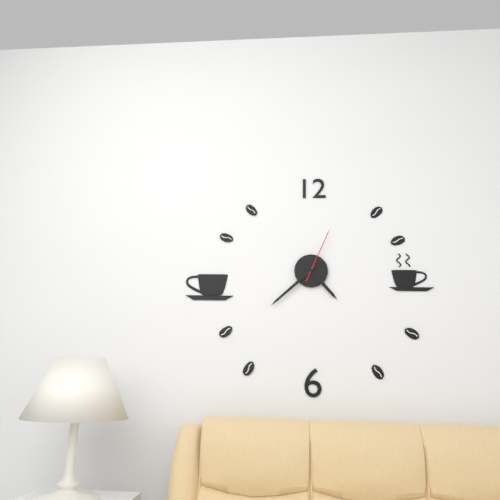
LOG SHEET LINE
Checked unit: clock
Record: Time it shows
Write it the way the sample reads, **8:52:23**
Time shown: **4:38:04**
